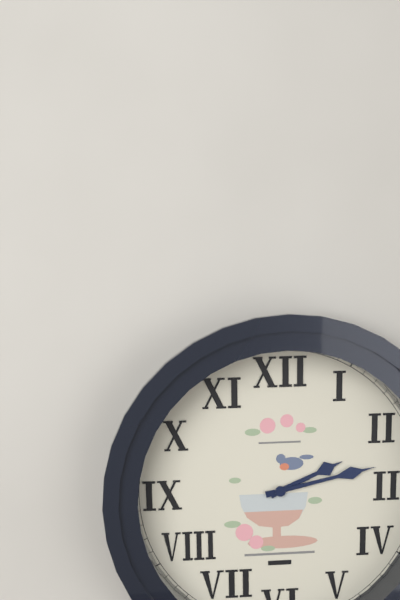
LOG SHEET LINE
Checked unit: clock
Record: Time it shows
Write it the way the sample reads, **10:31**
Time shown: **2:13**
